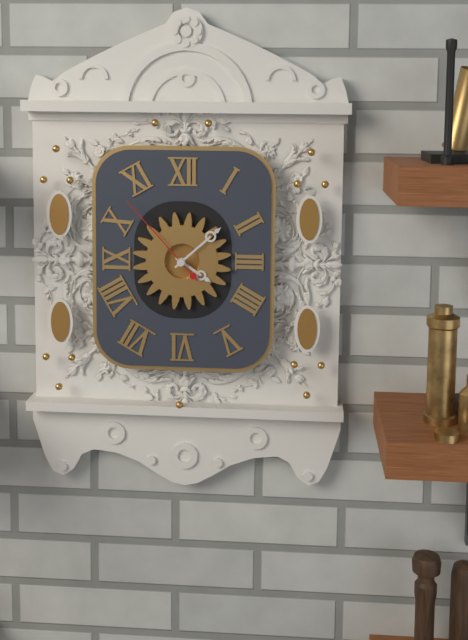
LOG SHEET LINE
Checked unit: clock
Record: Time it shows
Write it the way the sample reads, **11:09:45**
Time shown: **4:08:53**
